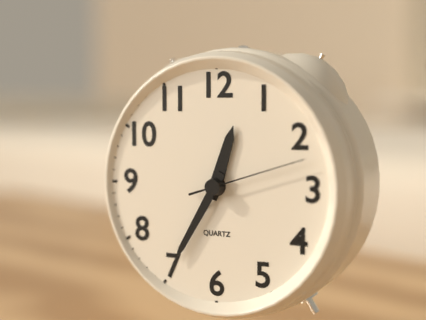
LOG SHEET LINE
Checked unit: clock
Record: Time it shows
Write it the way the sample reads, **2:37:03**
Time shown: **12:35:12**
